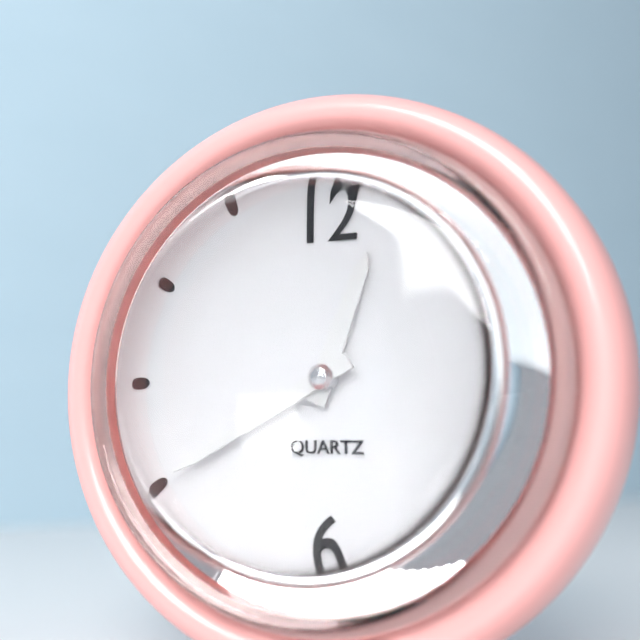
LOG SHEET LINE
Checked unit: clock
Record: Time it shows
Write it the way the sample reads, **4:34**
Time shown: **12:40**
